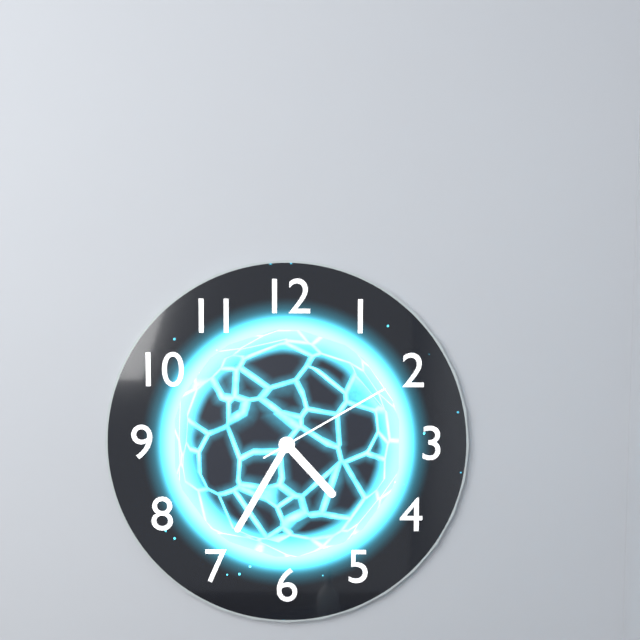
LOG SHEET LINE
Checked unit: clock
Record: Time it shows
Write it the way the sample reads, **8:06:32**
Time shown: **4:35:10**
